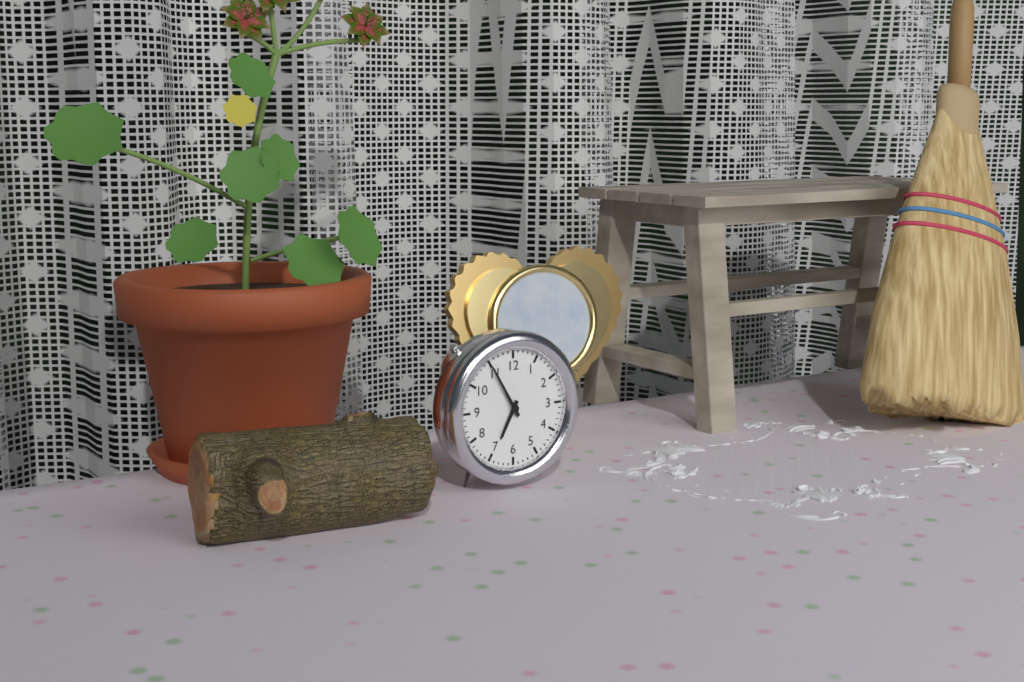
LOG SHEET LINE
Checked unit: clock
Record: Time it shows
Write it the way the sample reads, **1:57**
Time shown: **6:55**
